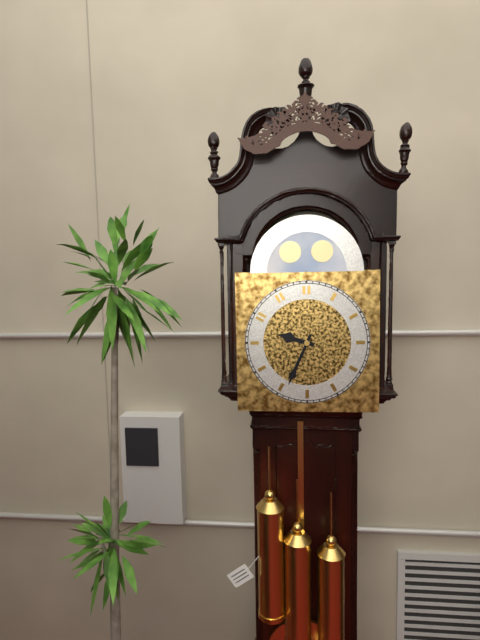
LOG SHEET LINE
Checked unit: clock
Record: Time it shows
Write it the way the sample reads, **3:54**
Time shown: **9:34**
